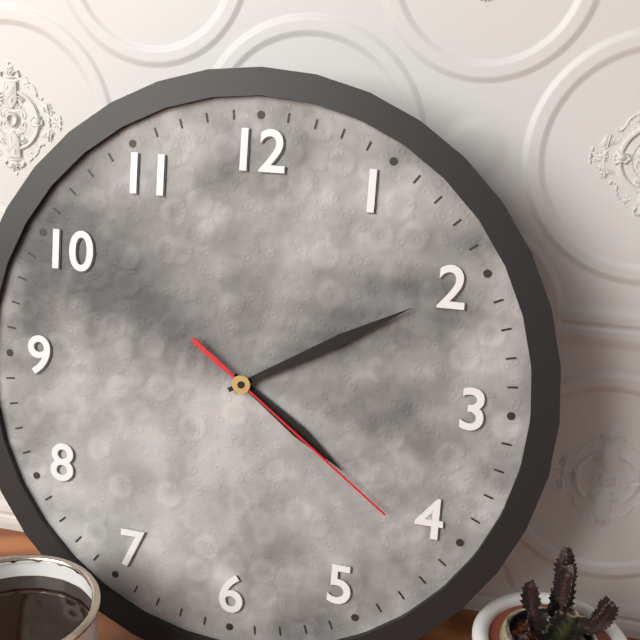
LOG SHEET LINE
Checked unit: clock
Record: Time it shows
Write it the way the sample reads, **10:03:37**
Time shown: **4:10:21**
